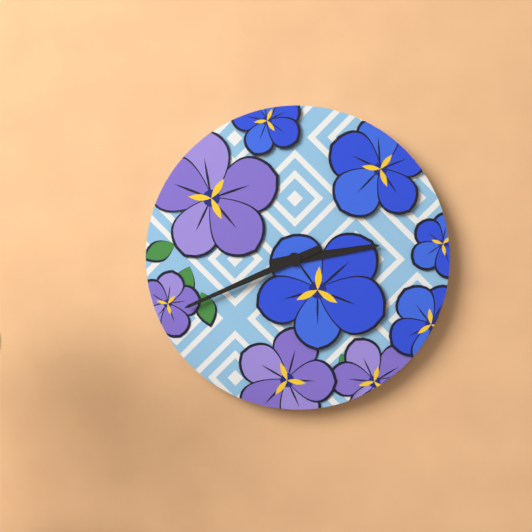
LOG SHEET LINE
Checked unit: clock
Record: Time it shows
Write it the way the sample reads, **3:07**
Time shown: **2:41**
